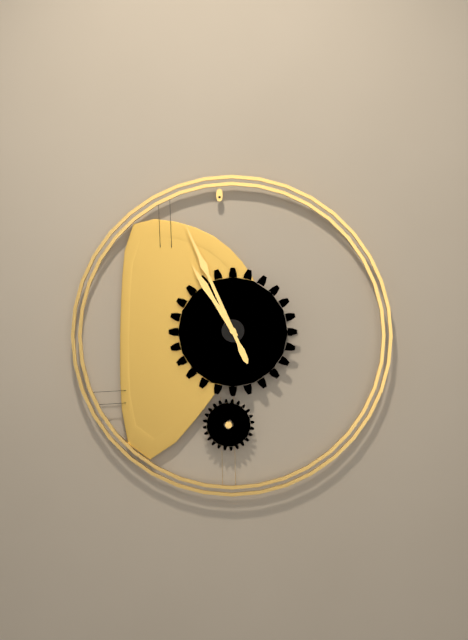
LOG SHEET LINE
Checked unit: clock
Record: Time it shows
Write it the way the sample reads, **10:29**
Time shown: **10:56**
